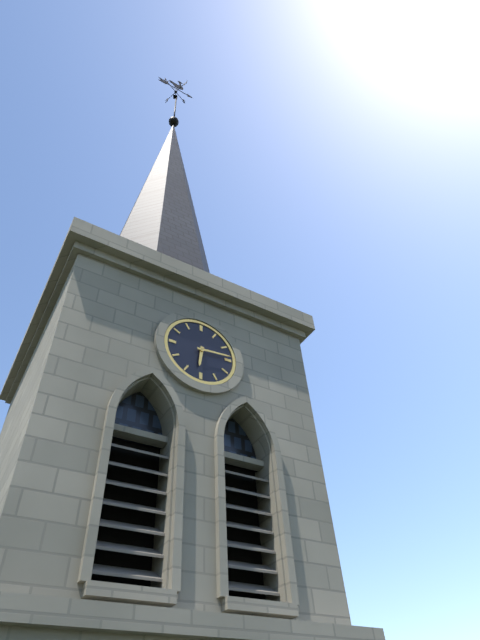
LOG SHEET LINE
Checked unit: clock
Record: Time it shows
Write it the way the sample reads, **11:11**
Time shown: **6:14**
